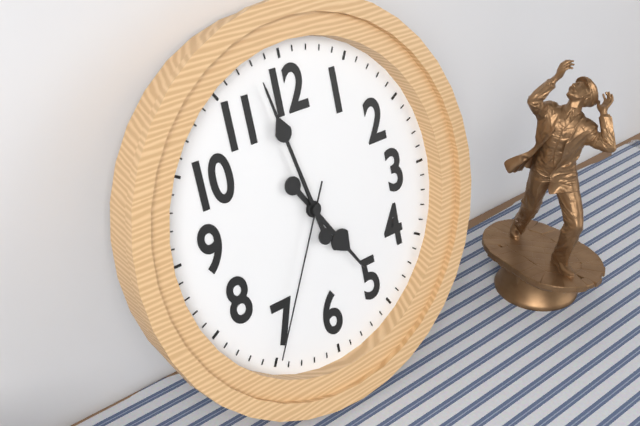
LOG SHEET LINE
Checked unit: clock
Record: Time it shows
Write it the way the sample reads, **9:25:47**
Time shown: **4:58:35**
